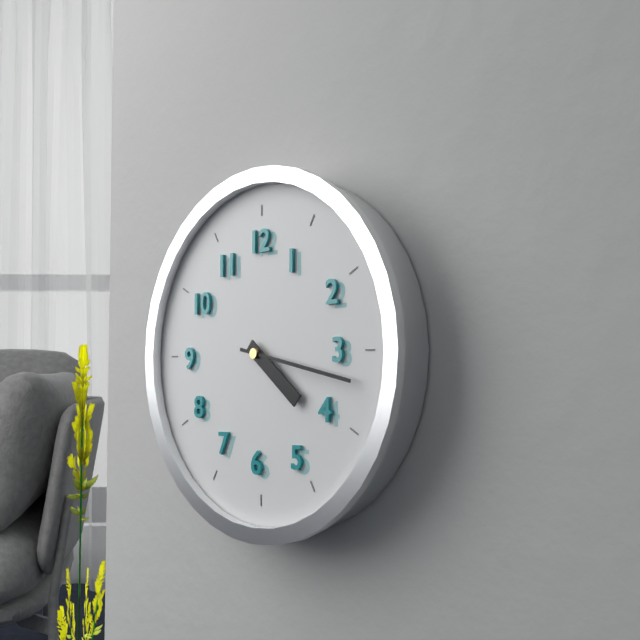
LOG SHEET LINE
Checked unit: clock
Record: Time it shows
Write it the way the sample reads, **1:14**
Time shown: **4:17**
